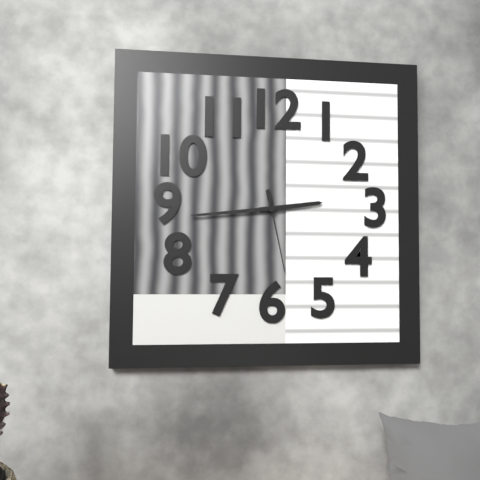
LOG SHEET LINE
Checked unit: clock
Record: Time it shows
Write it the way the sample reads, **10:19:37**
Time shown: **2:44:28**
